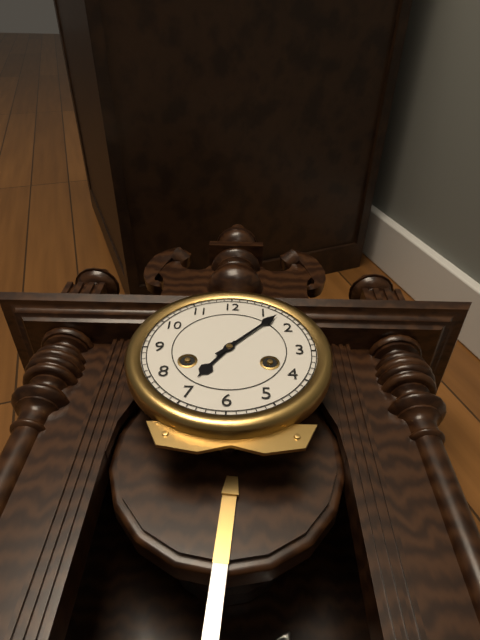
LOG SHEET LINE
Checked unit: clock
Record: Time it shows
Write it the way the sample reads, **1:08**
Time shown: **7:07**
